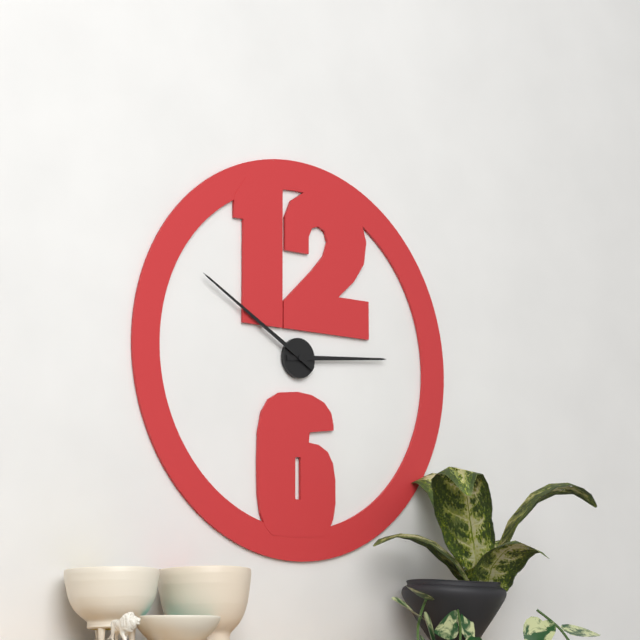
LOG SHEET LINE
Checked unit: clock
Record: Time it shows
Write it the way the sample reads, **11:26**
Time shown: **2:50**
